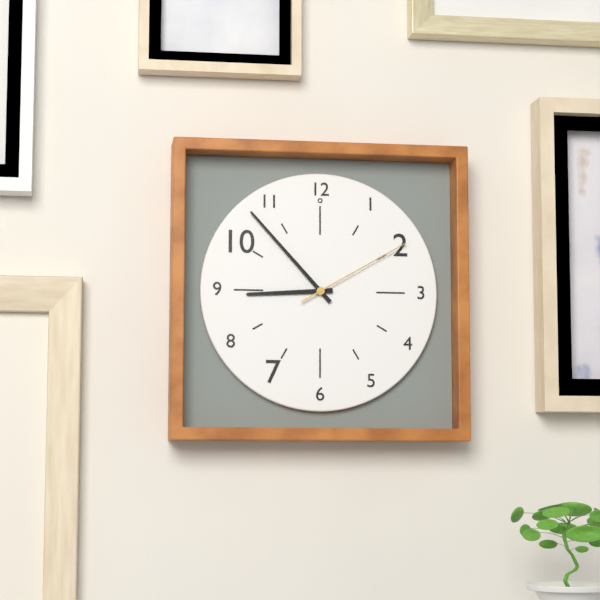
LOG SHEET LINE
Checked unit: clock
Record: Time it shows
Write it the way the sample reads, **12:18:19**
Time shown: **8:53:10**
